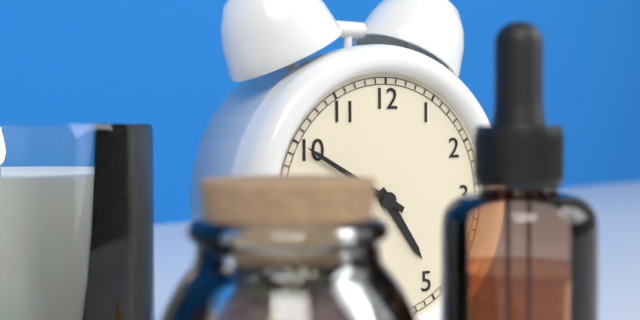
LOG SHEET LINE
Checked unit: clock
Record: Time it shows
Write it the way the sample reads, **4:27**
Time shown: **4:50**
